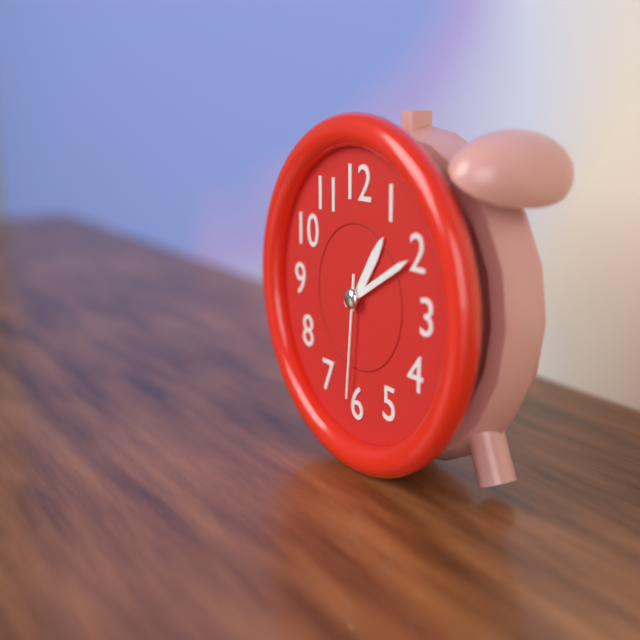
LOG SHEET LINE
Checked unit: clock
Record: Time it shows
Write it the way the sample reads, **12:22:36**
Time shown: **1:10:31**
